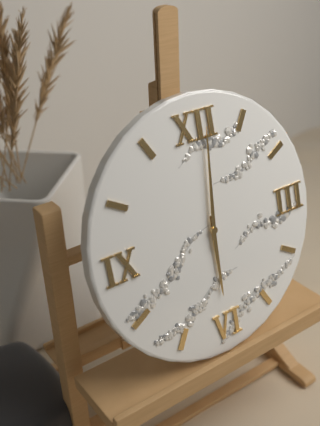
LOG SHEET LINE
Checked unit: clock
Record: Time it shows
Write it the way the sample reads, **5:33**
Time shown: **6:01**
